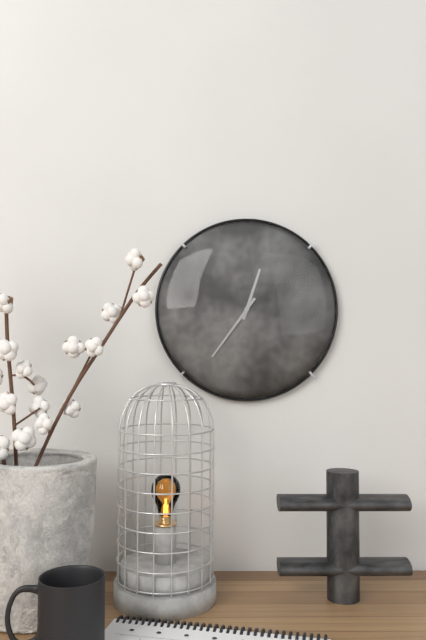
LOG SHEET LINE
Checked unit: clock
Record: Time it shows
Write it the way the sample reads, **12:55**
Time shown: **12:36**
